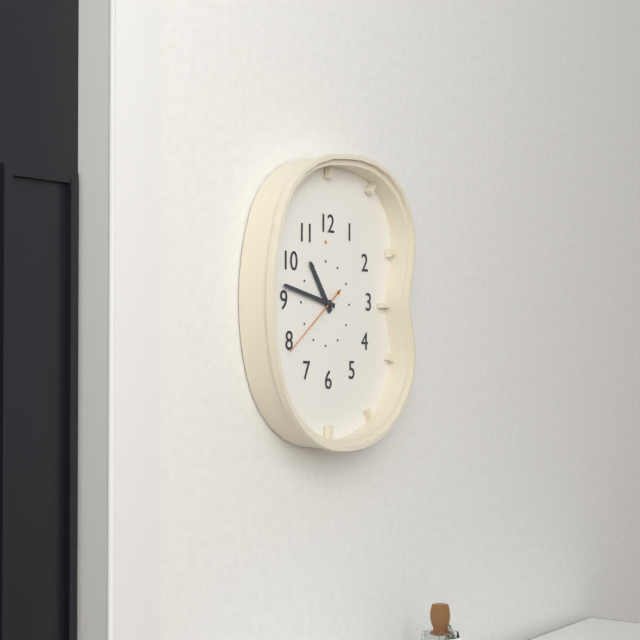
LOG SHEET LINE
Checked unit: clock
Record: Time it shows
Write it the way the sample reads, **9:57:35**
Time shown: **10:47:39**
